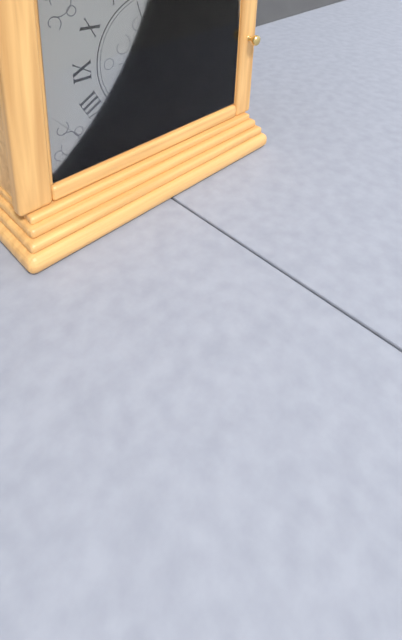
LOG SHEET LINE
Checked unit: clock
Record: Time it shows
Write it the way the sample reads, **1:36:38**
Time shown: **7:40:57**
